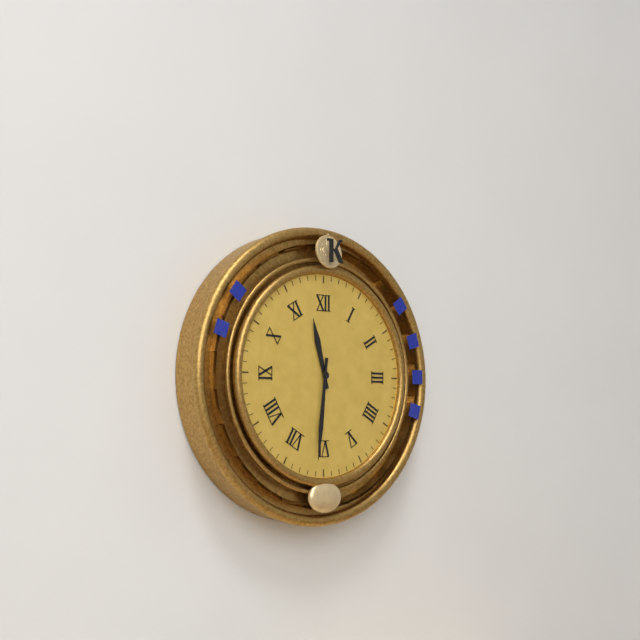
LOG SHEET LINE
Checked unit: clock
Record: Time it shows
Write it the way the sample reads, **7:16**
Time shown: **11:31**
